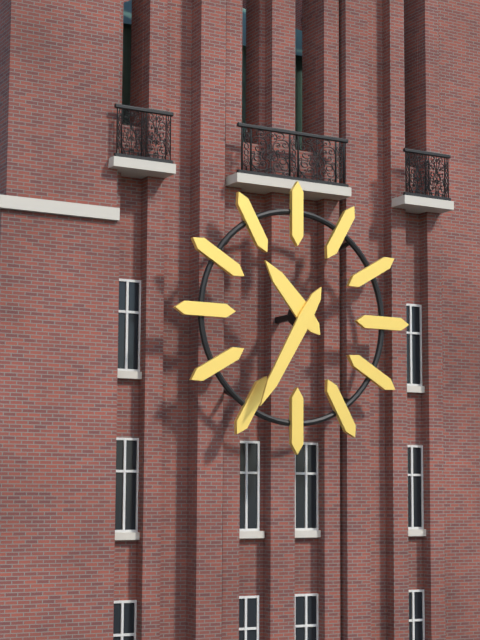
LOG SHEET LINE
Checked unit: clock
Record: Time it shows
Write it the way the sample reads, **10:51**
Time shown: **10:35**
